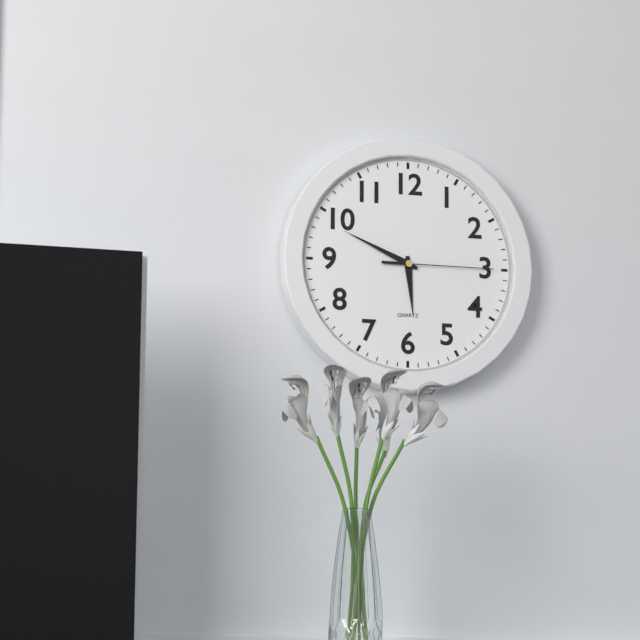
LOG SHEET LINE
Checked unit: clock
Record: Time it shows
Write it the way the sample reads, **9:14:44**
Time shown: **5:49:15**
